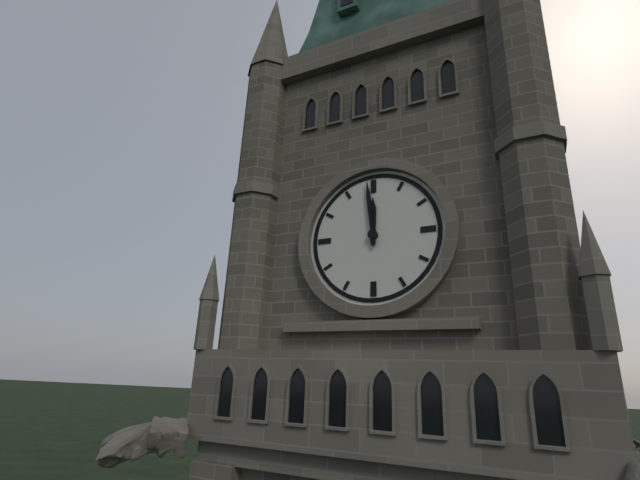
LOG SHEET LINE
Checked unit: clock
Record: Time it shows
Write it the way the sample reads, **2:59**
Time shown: **11:59**
